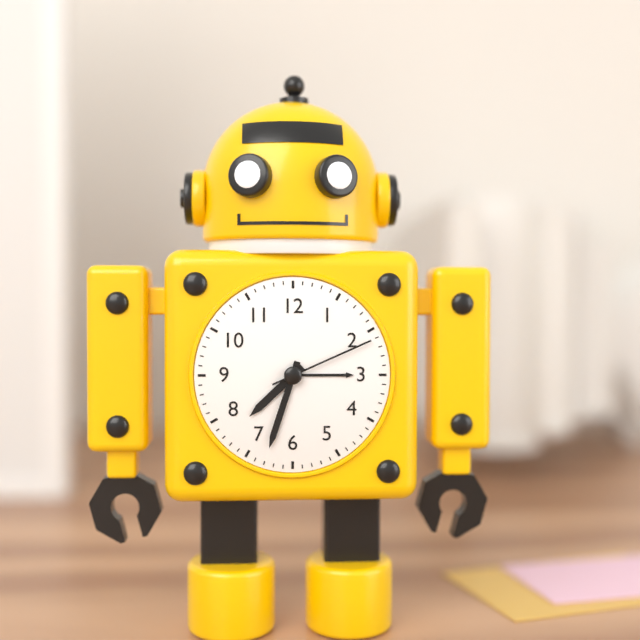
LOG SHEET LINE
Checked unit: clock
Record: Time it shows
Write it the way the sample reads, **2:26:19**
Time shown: **7:33:11**
